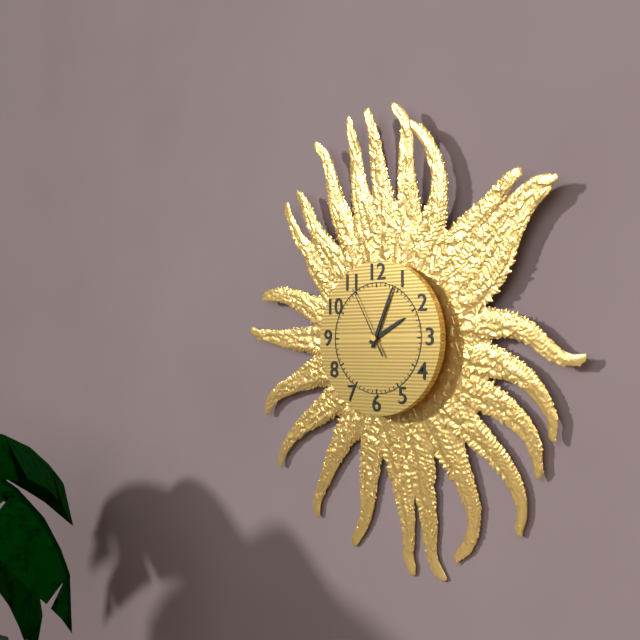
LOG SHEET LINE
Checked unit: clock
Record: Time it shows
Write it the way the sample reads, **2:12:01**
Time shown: **2:04:55**
